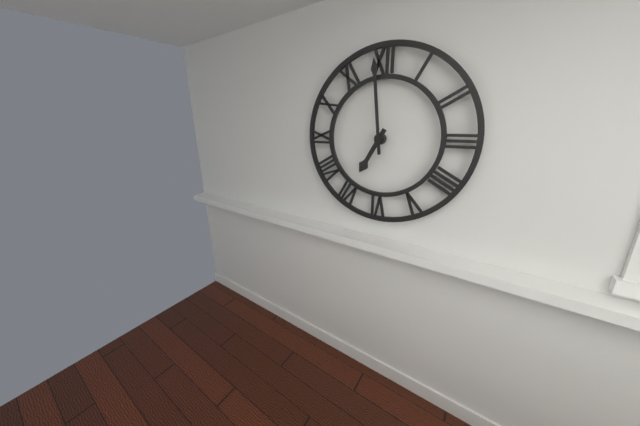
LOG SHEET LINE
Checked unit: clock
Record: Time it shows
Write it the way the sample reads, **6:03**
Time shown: **6:59**
